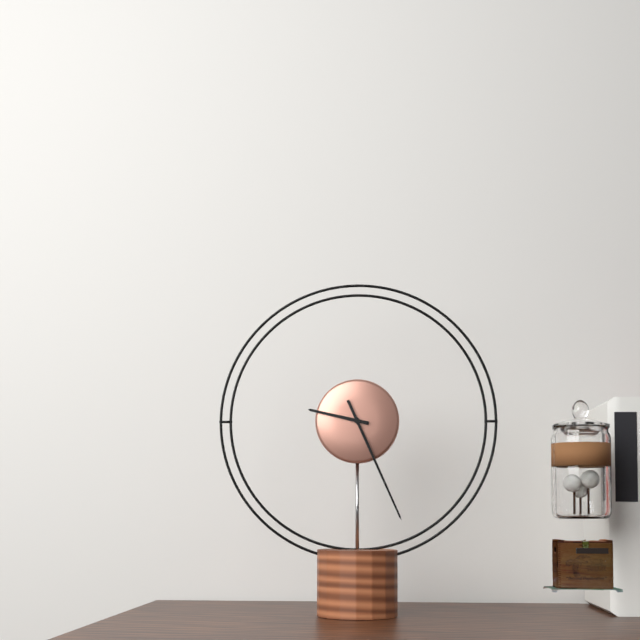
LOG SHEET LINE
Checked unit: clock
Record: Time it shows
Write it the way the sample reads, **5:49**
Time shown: **9:26**
